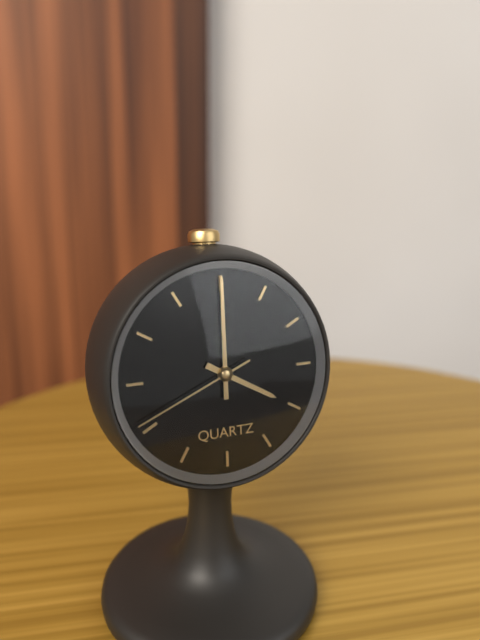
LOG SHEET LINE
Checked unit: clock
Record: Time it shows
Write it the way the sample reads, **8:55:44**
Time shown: **4:00:41**
